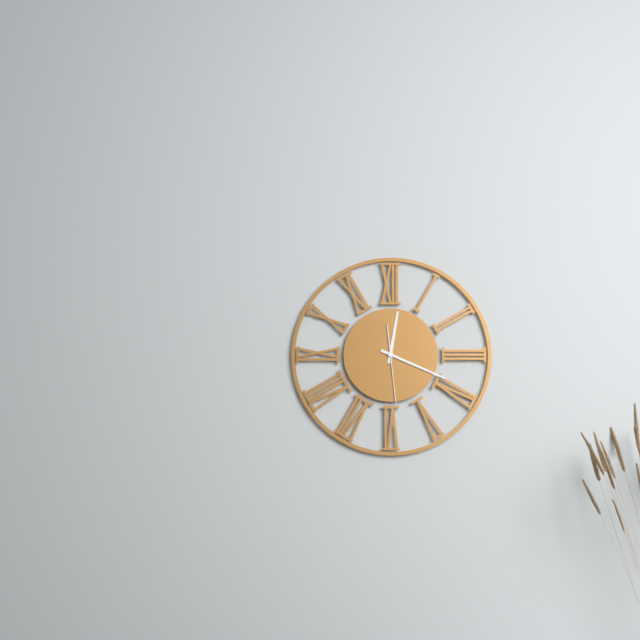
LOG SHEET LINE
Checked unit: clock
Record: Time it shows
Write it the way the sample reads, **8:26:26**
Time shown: **12:19:29**
